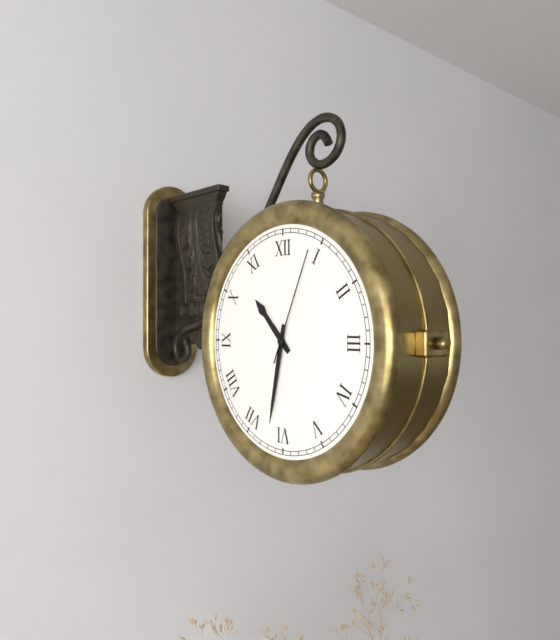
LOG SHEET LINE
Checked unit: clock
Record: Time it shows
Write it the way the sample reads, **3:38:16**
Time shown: **10:32:04**
